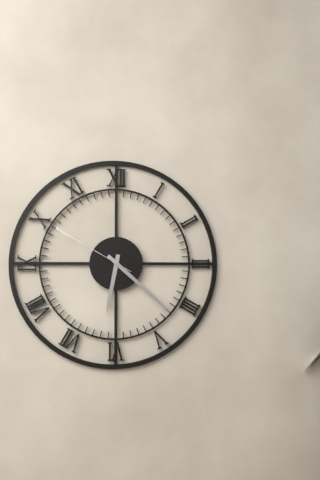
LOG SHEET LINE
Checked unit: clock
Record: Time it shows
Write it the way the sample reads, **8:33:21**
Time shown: **6:22:50**
